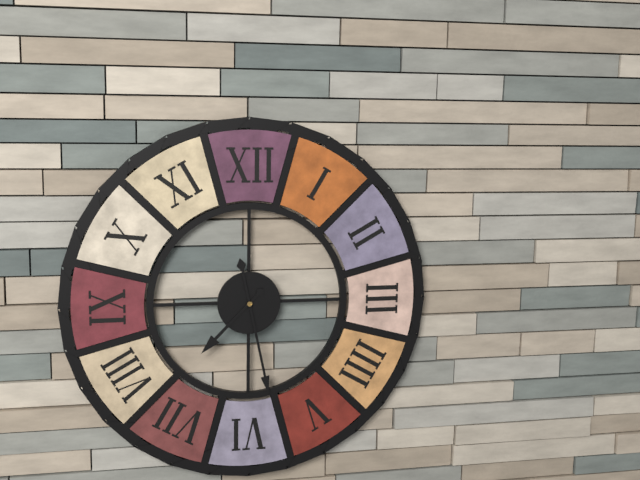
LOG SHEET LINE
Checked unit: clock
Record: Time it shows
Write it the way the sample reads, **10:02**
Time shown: **7:28**
